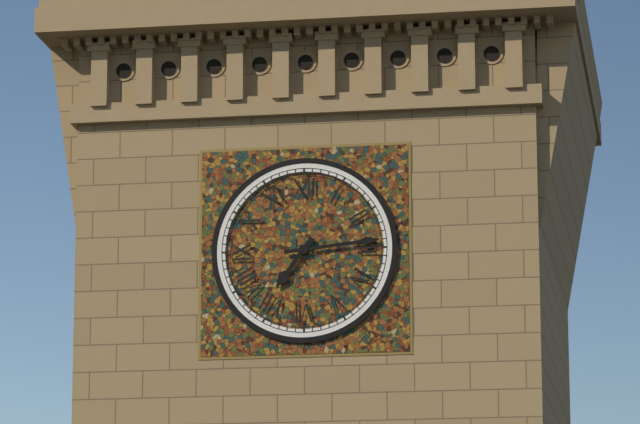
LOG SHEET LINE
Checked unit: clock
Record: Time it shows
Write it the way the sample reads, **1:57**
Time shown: **7:14**
